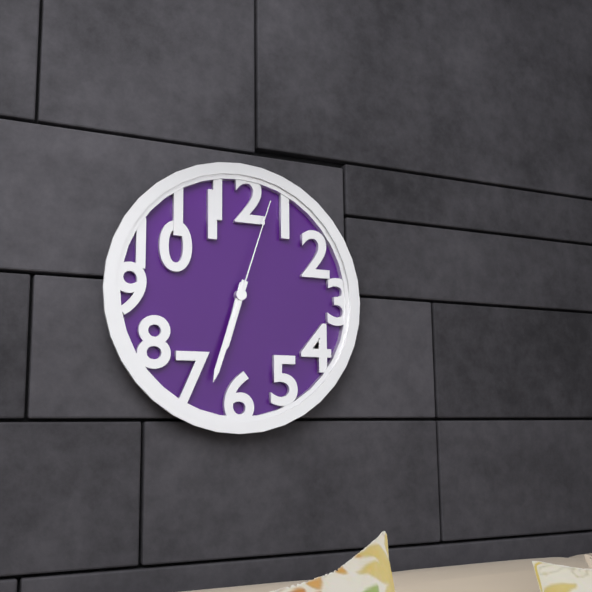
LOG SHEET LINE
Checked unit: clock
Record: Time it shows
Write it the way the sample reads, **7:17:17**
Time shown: **6:33:03**
